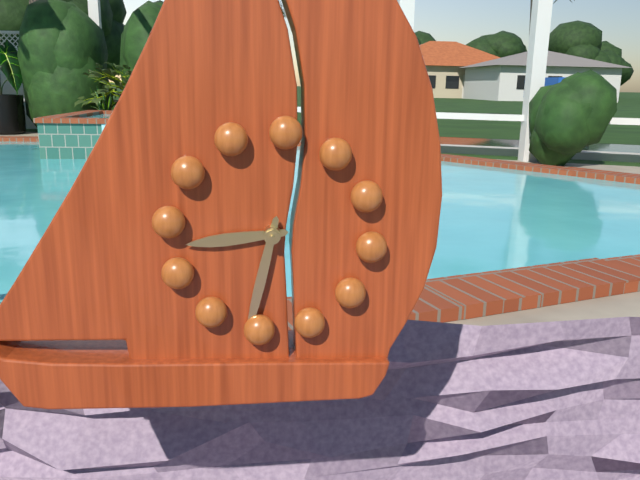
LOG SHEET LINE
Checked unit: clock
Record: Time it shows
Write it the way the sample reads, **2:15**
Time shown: **8:31**
